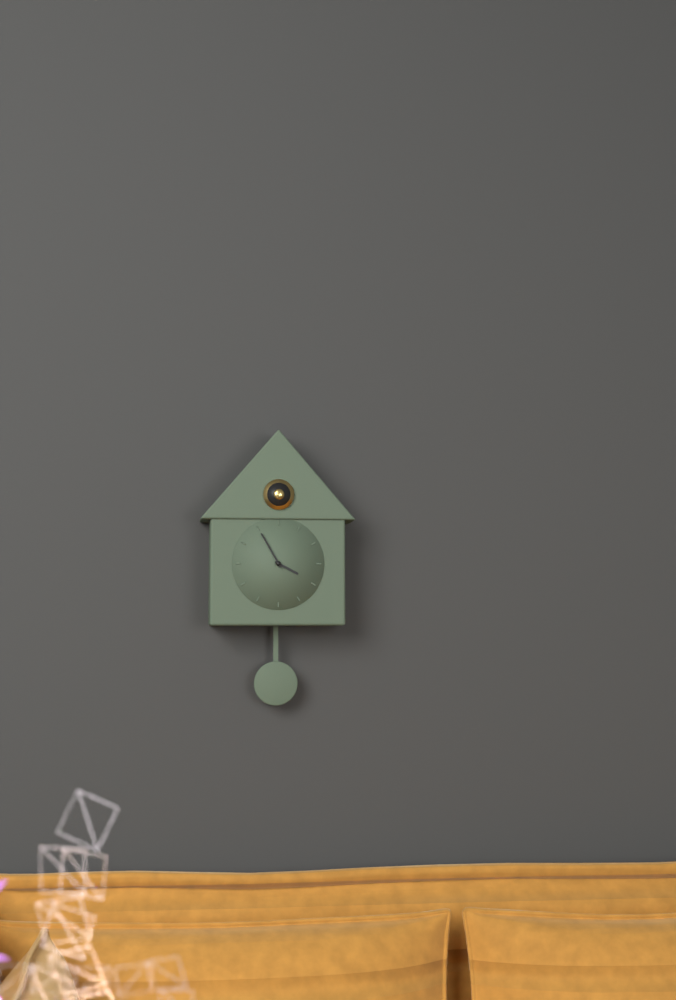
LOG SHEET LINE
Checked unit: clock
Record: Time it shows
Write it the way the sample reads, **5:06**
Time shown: **3:55**
